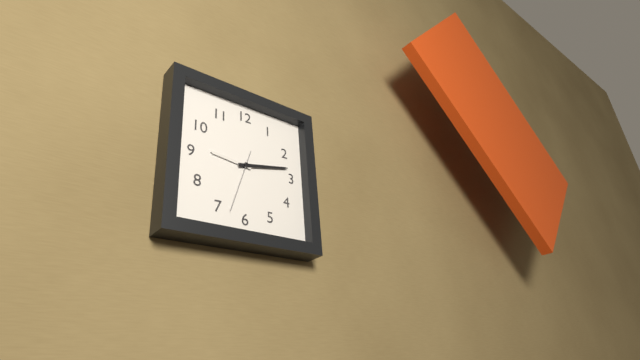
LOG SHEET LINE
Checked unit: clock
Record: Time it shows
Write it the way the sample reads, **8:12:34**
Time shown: **9:13:33**
